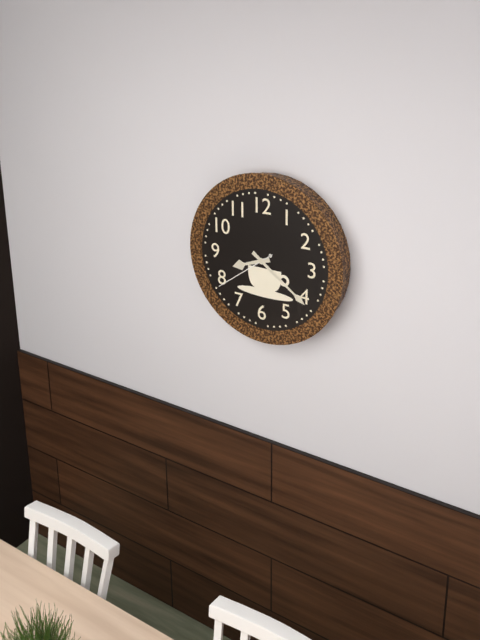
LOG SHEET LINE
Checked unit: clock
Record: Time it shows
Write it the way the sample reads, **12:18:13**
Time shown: **8:21:39**
